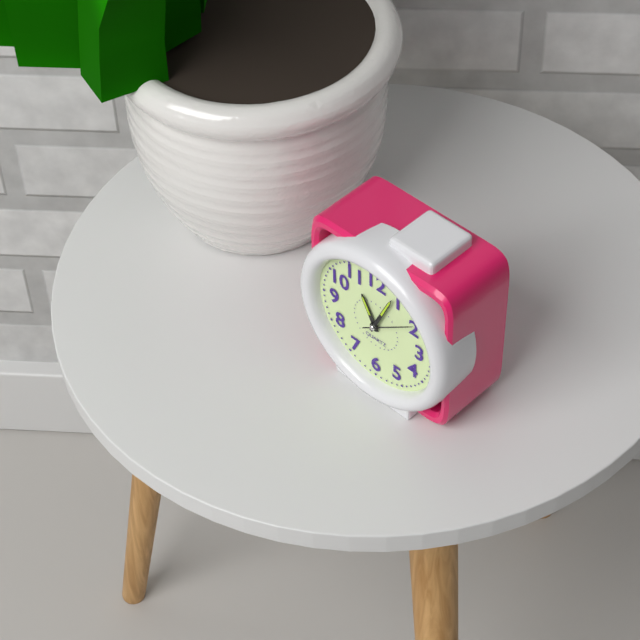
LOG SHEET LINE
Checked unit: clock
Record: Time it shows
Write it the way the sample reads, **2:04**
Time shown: **11:04**
